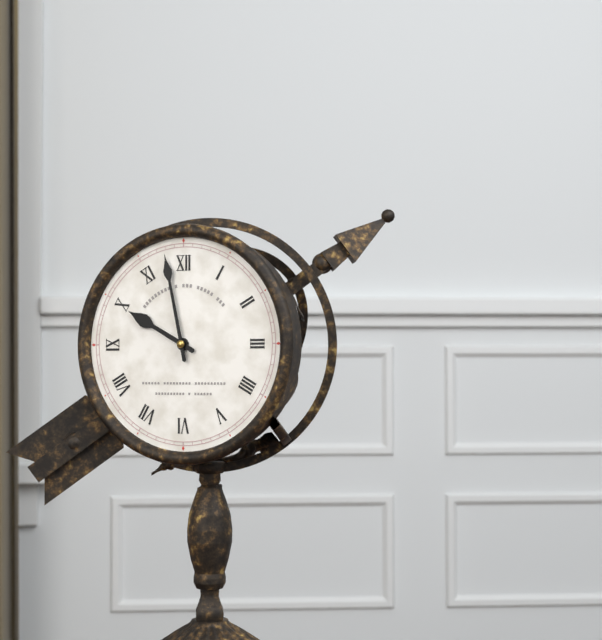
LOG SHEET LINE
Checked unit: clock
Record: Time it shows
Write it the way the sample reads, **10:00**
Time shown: **9:58**
